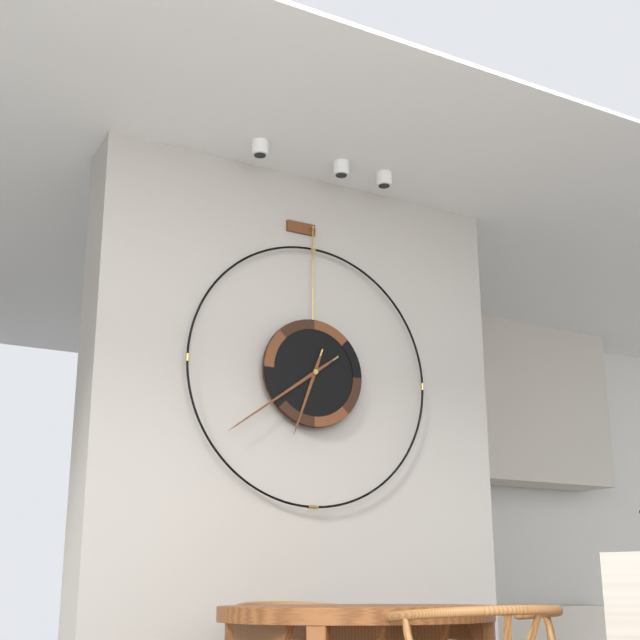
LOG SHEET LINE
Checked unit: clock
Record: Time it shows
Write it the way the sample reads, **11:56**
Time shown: **6:39**
